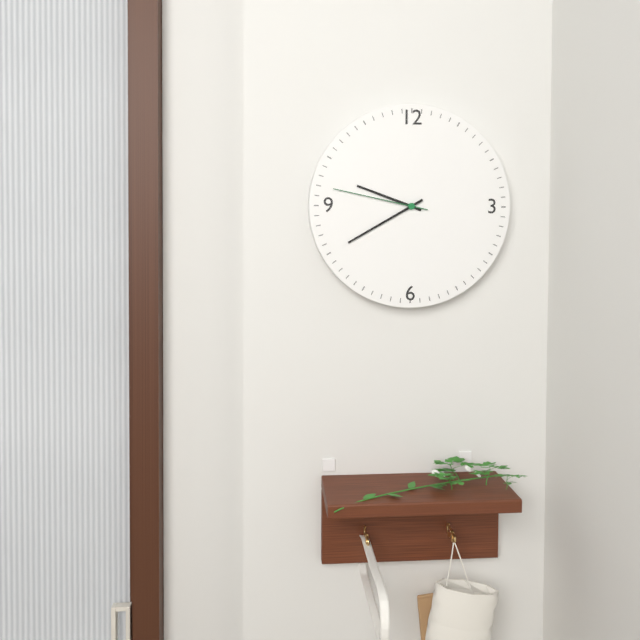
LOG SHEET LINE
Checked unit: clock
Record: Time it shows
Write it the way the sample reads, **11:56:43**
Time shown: **9:40:47**
